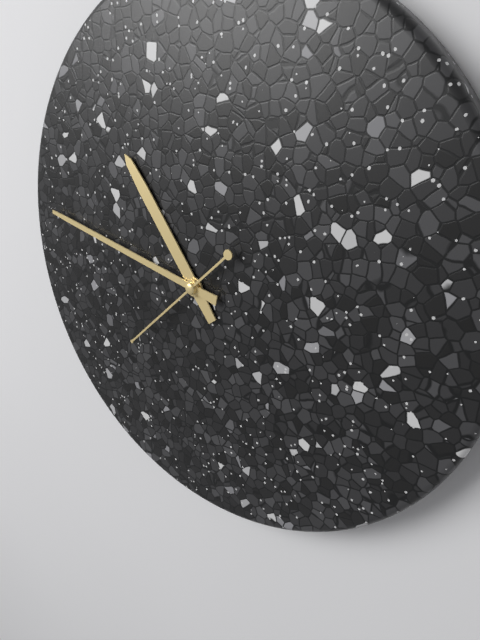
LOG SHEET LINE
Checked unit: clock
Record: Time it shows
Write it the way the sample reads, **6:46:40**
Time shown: **10:47:38**
